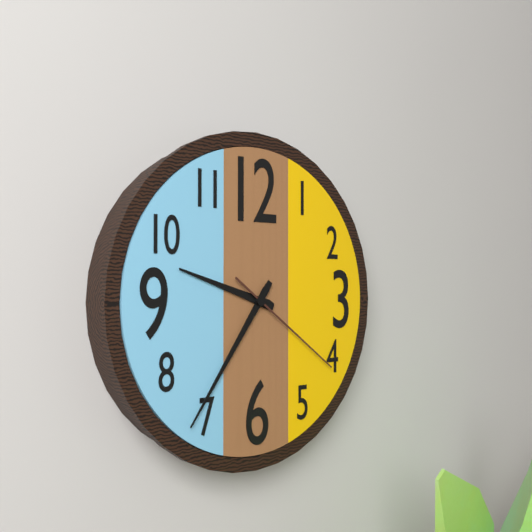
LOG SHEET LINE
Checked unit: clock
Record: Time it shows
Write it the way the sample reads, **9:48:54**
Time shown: **9:36:21**
